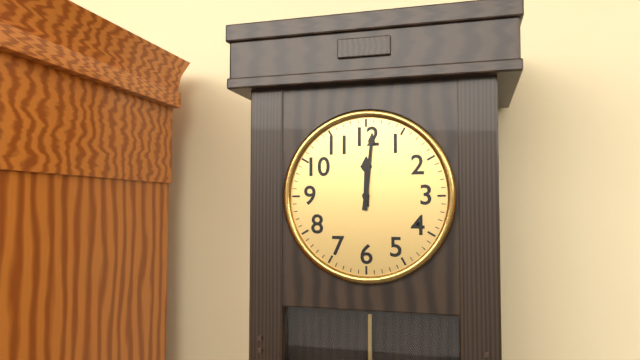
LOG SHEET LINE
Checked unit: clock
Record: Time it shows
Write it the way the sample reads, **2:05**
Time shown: **12:01**
